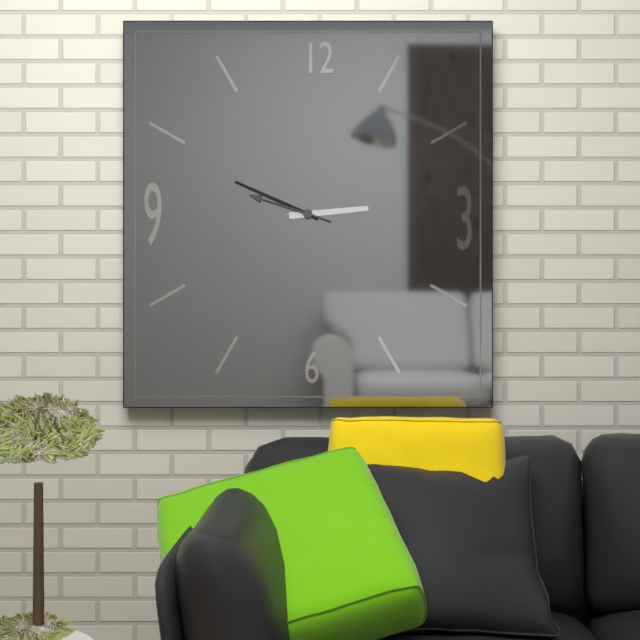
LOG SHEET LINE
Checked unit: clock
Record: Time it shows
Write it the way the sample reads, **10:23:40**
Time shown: **2:49:48**
